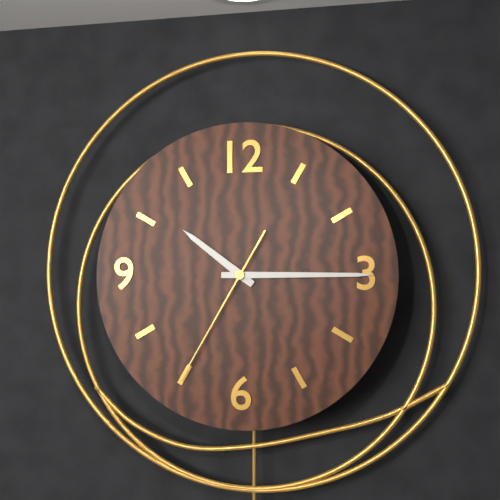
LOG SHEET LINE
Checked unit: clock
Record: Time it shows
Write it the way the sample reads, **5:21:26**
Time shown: **10:15:35**
